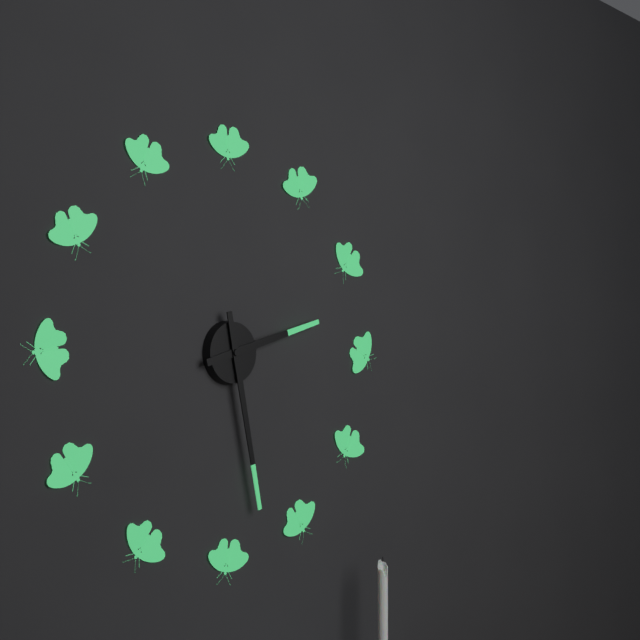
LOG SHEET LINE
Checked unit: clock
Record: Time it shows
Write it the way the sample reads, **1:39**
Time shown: **2:28**
